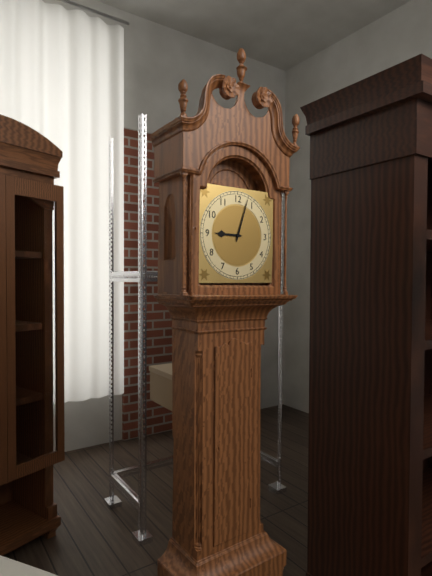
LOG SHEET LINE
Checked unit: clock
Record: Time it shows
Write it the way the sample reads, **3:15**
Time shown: **9:03**
